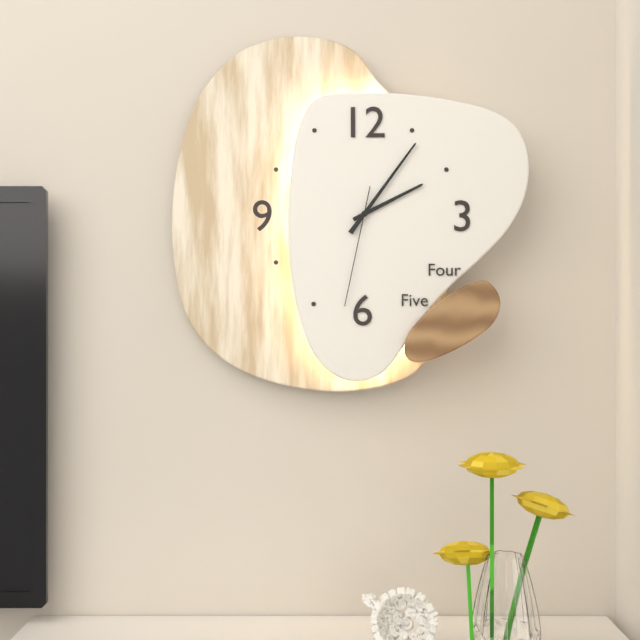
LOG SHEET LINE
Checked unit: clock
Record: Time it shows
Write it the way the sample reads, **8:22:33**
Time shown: **2:06:32**
